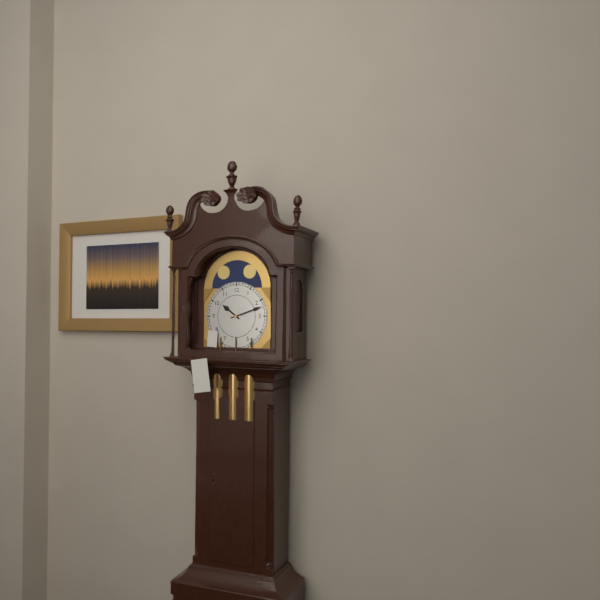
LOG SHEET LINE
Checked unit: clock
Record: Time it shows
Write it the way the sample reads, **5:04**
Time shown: **10:12**
